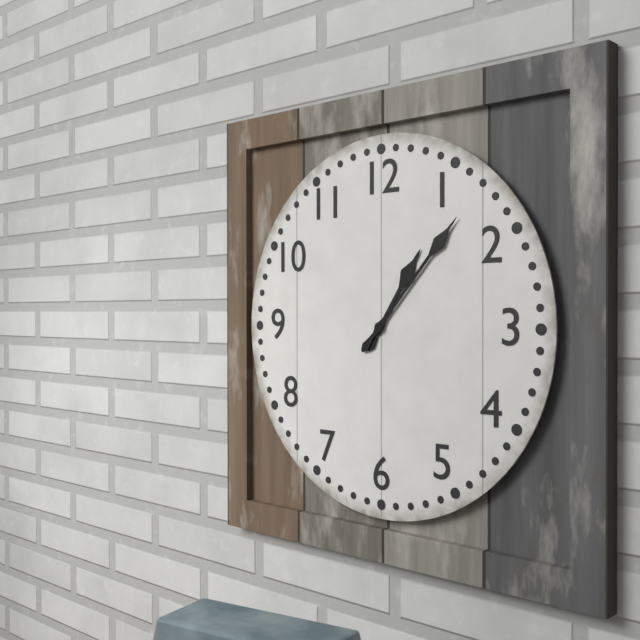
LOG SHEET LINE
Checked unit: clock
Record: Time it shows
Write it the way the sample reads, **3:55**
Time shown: **1:07**
